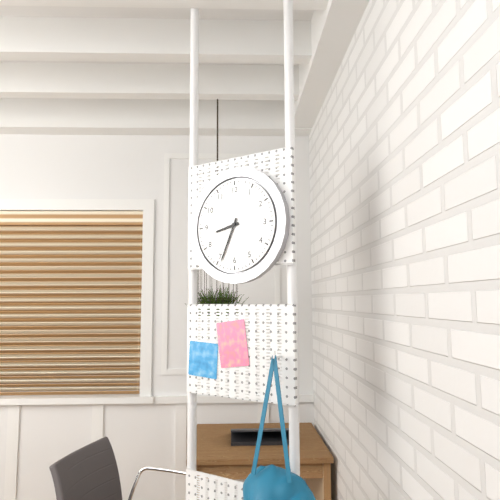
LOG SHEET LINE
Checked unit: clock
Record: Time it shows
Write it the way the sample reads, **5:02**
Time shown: **8:34**
